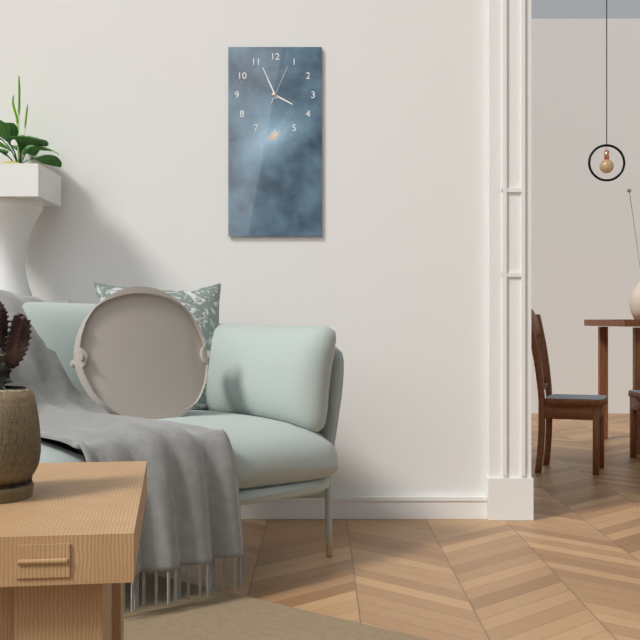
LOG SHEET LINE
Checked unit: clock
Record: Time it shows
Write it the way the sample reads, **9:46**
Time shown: **3:56**
